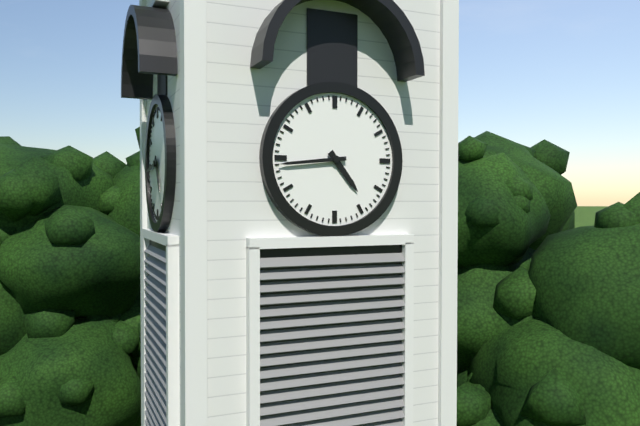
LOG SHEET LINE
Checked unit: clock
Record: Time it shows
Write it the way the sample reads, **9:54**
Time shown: **4:44**
